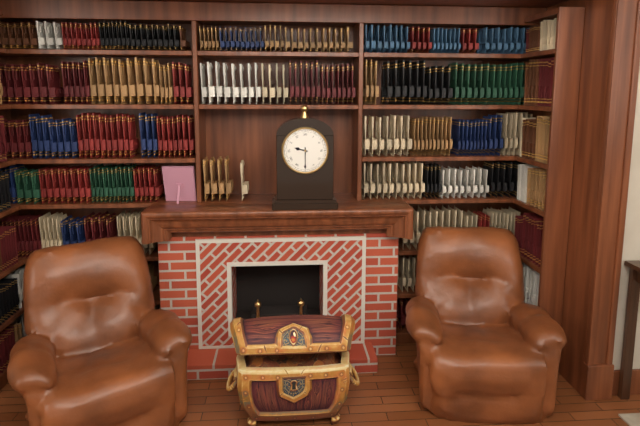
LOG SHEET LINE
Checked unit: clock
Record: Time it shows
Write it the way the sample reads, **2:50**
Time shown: **9:30**
